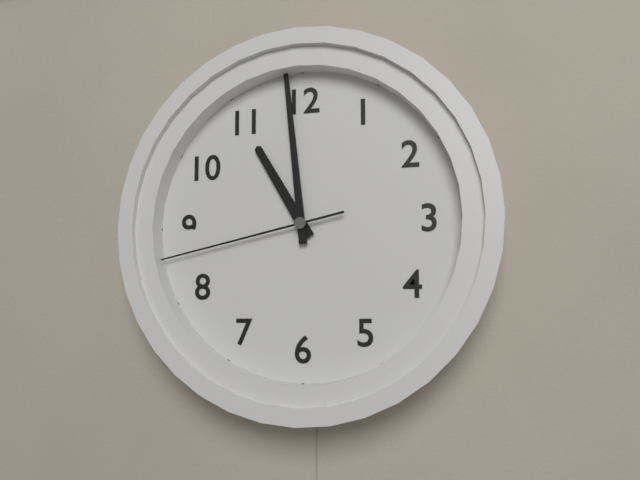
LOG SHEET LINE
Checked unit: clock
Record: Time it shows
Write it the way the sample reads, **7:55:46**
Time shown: **10:59:43**
